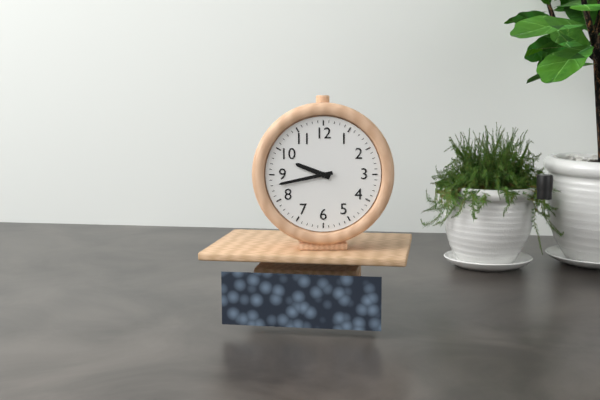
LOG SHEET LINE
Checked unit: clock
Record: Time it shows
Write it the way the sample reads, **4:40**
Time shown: **9:43**
